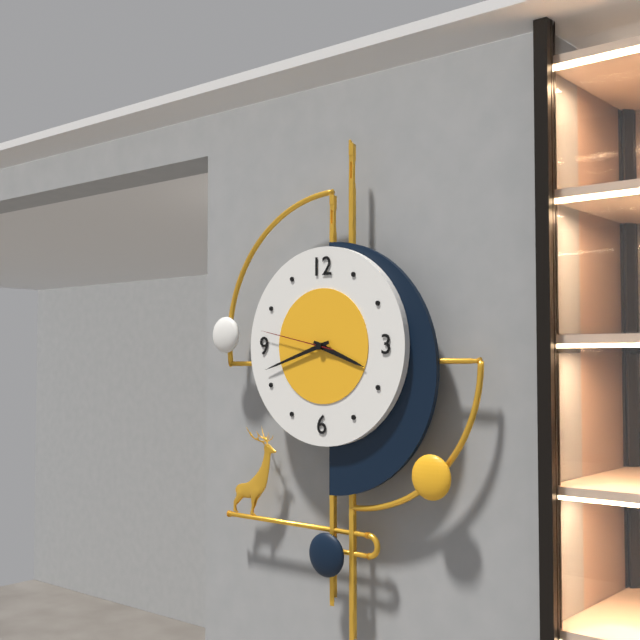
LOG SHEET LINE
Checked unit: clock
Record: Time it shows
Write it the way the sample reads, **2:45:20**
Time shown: **3:42:47**
